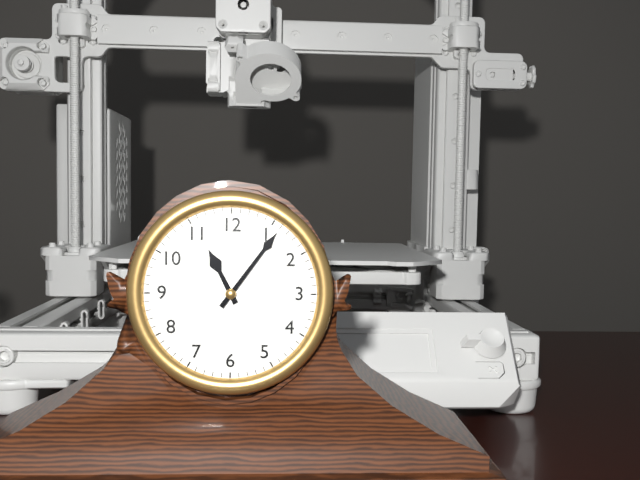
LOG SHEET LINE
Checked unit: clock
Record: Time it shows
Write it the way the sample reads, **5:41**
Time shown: **11:06**
